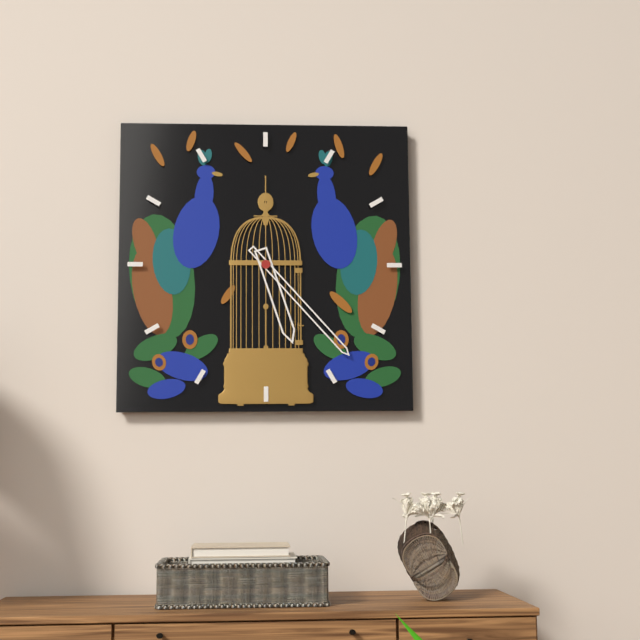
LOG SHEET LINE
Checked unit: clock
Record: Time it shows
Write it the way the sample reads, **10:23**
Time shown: **5:23**
